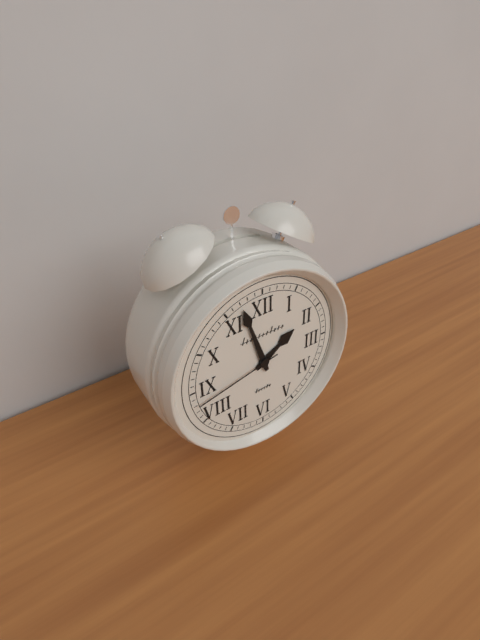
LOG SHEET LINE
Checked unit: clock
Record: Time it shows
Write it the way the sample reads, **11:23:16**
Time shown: **1:57:43**
